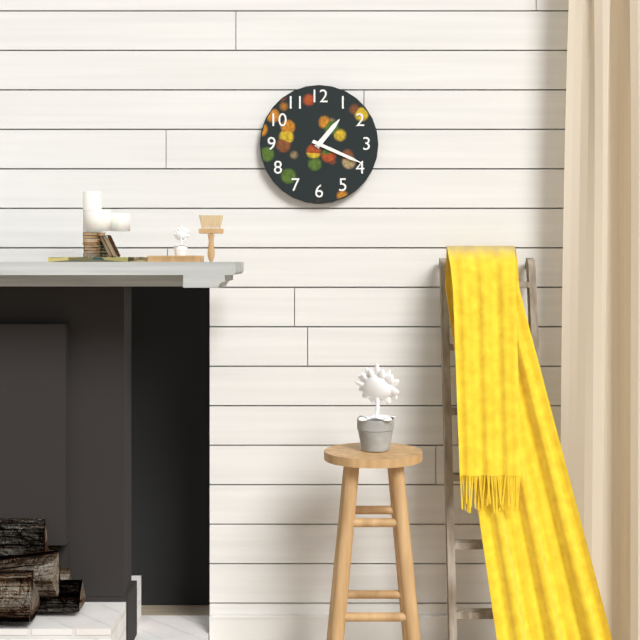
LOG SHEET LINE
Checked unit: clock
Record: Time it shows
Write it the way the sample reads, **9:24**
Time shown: **1:19**
